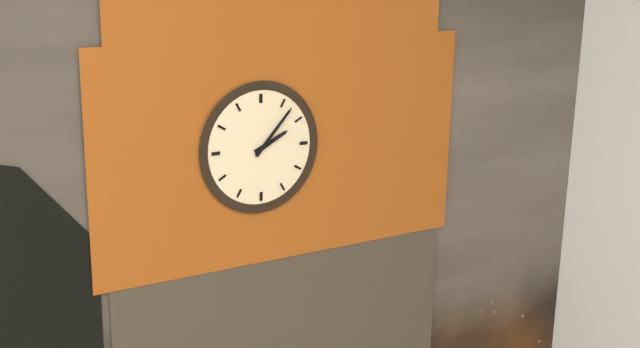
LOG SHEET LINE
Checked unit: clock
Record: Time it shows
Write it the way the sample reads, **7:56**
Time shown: **2:07**
